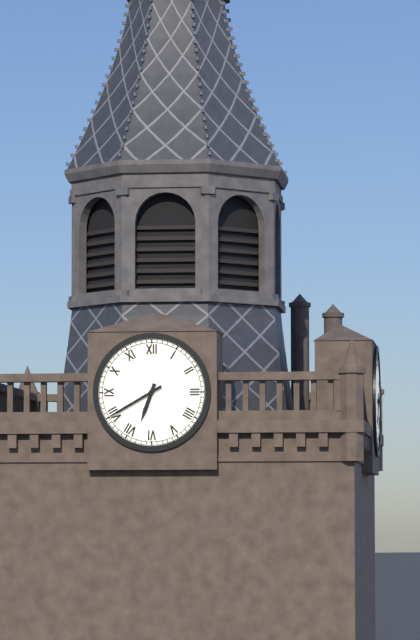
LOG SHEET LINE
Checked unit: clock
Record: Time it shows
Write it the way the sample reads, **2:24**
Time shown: **6:40**
